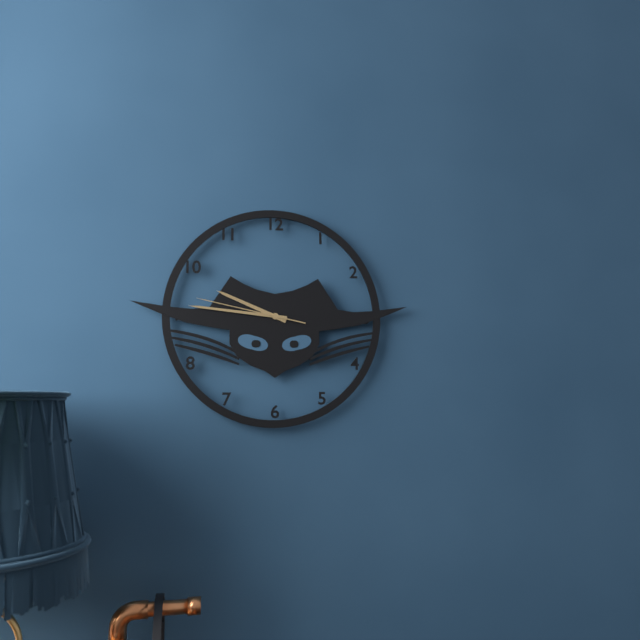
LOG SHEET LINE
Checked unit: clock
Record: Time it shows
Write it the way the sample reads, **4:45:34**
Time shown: **9:46:47**
